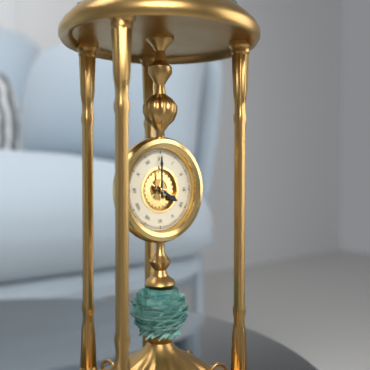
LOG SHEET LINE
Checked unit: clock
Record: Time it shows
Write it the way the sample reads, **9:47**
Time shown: **4:00**
